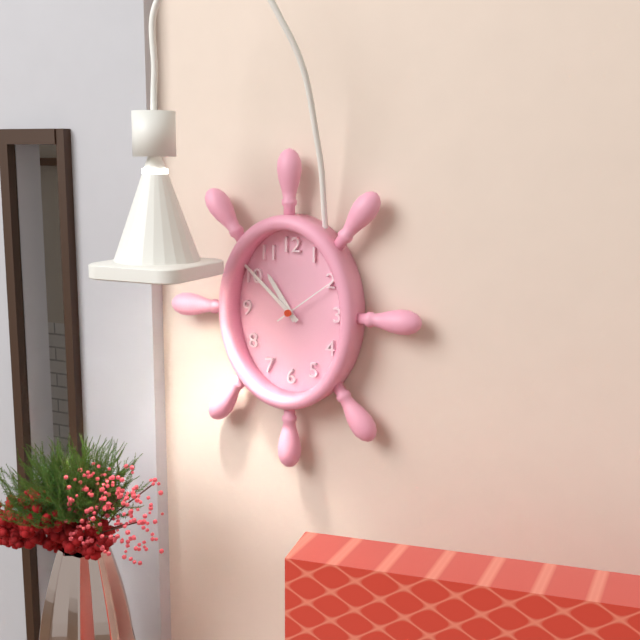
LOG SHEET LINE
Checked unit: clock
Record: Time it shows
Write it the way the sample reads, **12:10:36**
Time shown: **10:52:09**
